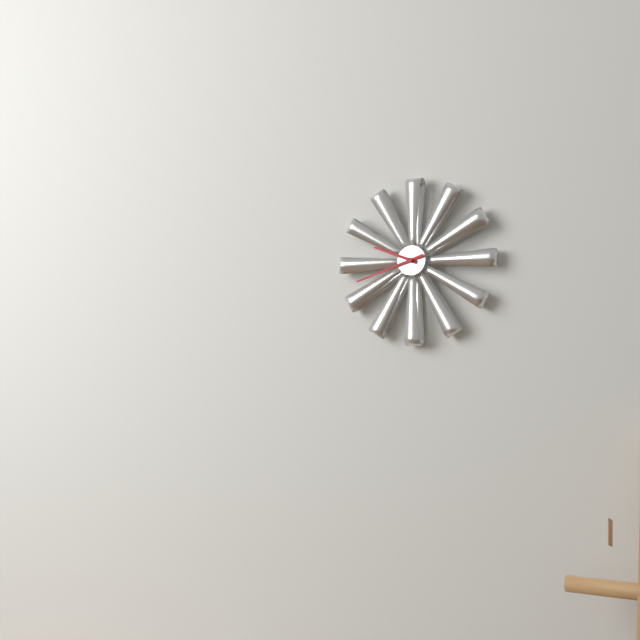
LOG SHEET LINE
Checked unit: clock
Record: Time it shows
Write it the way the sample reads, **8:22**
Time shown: **9:42**
